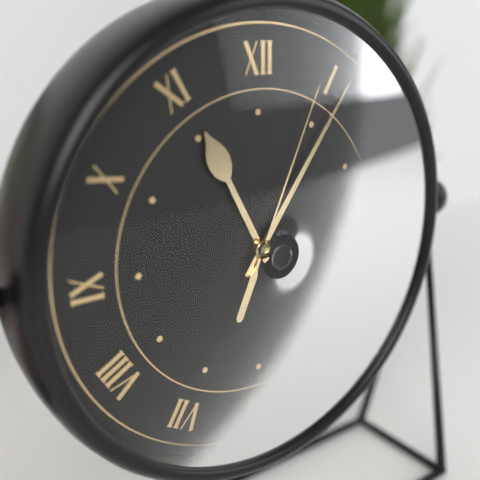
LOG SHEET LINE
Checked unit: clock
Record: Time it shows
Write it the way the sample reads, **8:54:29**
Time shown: **11:06:04**
